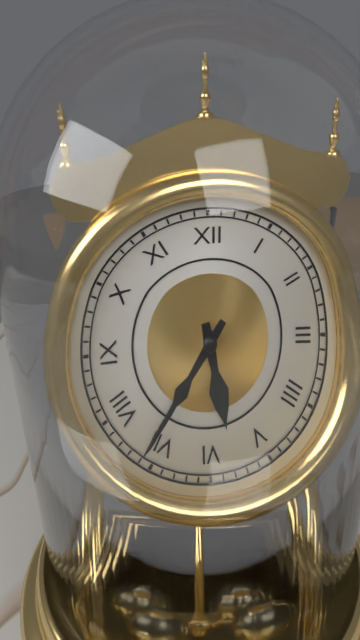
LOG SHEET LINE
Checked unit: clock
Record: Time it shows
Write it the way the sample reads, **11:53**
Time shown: **5:36**
